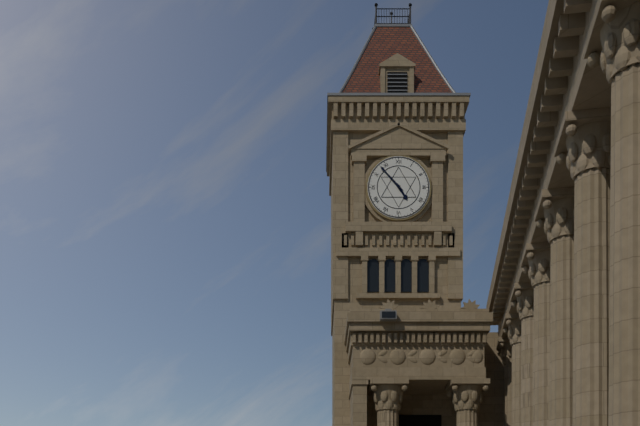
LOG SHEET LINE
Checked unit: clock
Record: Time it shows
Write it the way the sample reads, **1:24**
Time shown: **4:53**
